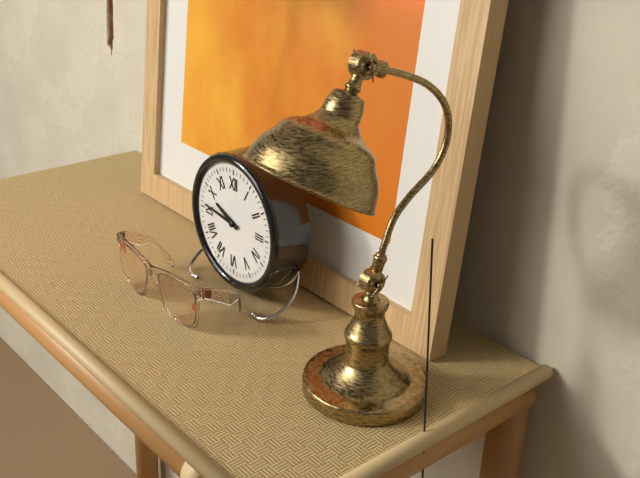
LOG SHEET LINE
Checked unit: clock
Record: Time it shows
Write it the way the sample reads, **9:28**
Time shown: **9:46**
